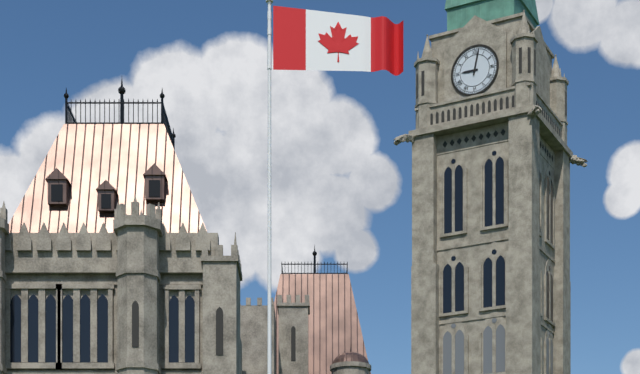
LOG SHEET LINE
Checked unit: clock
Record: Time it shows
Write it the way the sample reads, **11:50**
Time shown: **9:02**
